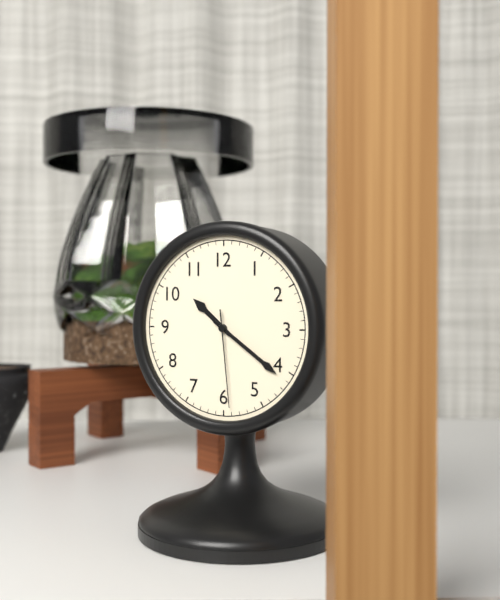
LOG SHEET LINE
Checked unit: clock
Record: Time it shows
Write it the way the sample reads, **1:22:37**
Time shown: **10:21:29**
